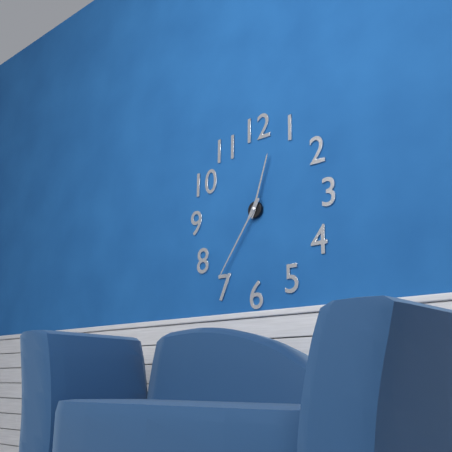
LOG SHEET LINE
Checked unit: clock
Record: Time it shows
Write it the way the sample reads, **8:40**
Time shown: **12:36**
